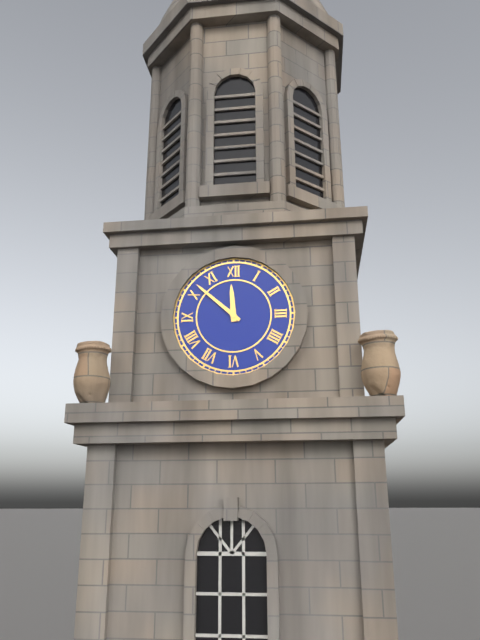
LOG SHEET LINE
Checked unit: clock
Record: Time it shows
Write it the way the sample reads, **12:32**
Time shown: **11:52**
